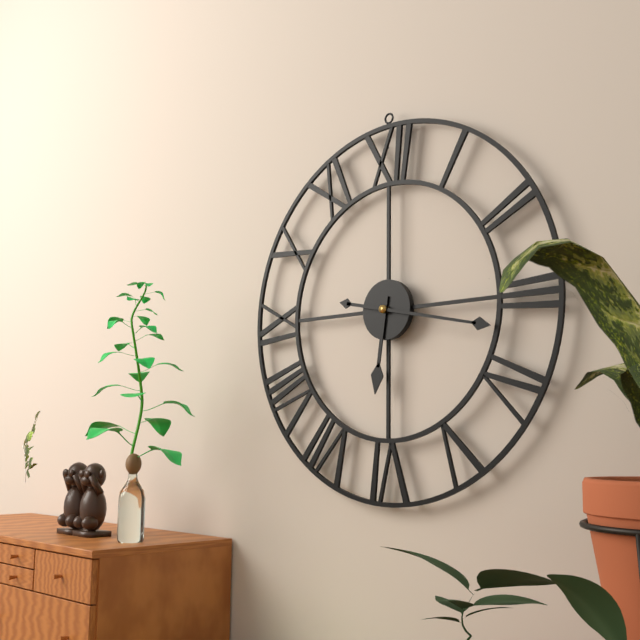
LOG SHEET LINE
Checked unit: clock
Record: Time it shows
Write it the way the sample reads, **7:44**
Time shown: **6:17**
